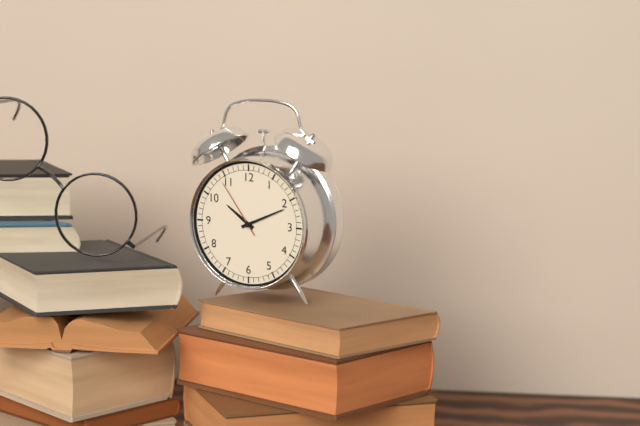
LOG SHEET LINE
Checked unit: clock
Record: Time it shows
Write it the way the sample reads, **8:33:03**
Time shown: **10:11:54**
